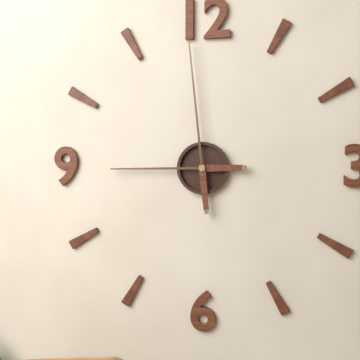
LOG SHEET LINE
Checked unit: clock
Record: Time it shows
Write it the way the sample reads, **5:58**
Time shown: **8:59**
